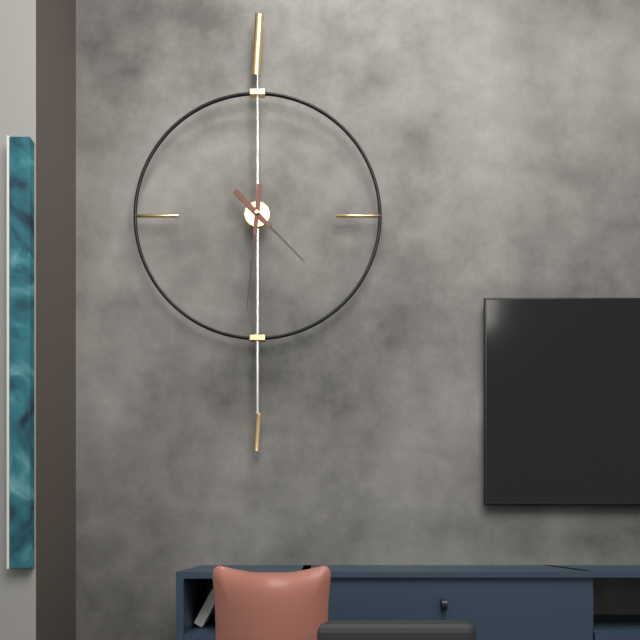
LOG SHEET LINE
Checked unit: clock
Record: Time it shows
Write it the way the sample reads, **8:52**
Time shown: **4:31**
